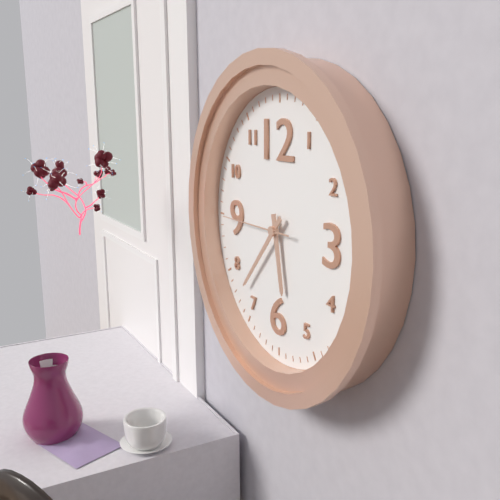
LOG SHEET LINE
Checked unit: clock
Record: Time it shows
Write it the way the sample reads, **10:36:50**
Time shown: **5:37:45**
